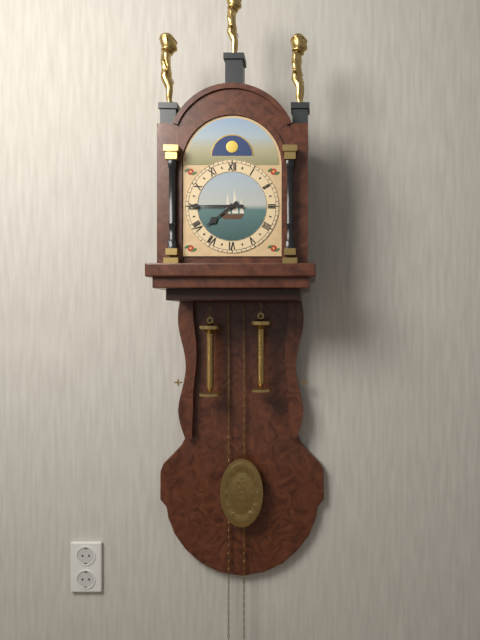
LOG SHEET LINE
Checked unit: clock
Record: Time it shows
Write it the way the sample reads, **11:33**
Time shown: **7:45**
